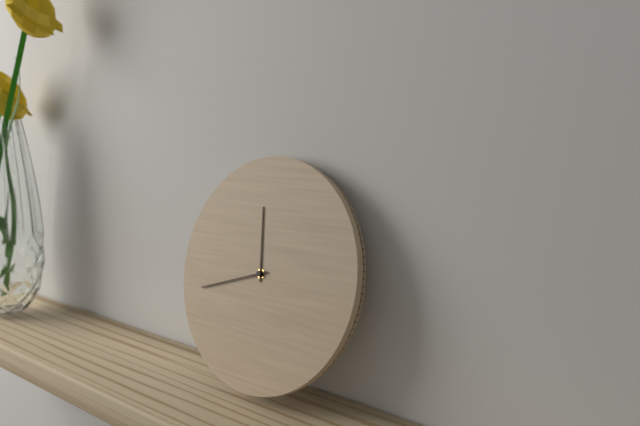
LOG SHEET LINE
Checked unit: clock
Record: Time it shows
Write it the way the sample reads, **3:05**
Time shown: **11:42**
